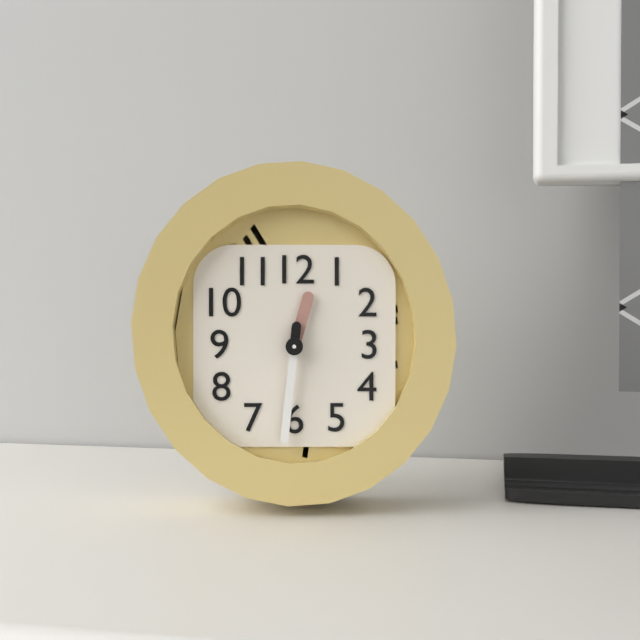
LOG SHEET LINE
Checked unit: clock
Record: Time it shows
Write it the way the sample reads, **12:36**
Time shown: **12:31**
